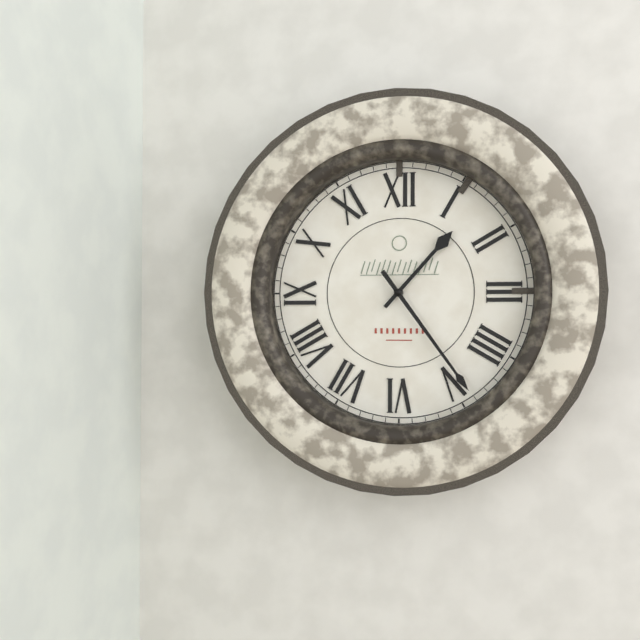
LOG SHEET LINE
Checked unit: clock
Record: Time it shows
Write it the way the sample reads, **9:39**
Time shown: **1:24**
